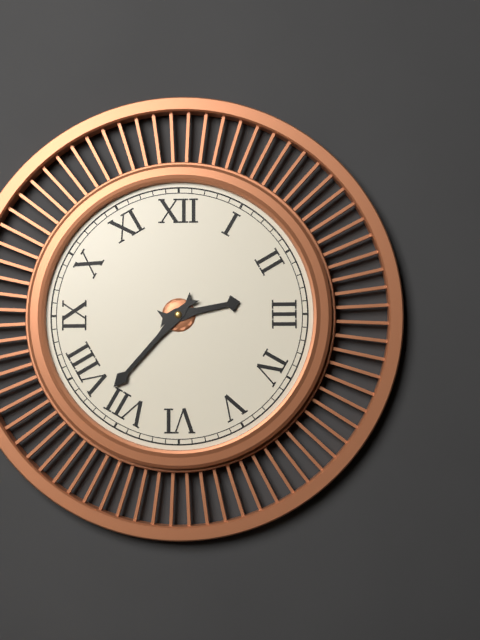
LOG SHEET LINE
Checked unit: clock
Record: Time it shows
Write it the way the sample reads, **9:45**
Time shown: **2:37**
